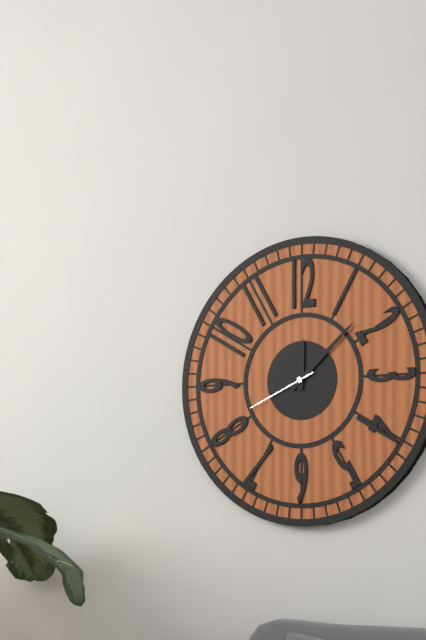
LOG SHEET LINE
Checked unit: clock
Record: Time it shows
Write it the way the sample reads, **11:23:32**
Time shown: **12:08:41**
